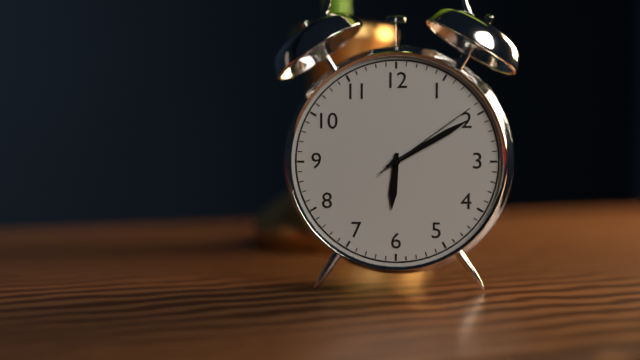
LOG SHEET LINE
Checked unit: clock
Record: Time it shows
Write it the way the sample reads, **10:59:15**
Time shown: **6:10:09**
